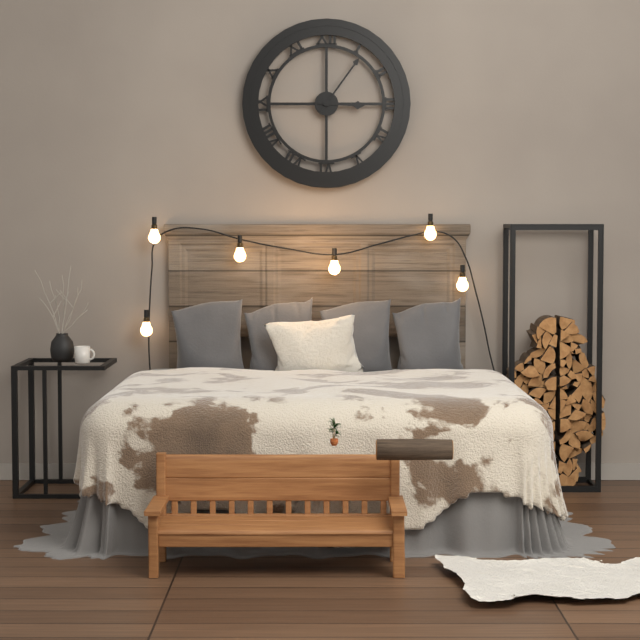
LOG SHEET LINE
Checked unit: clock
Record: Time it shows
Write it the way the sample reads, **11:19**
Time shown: **3:06**
